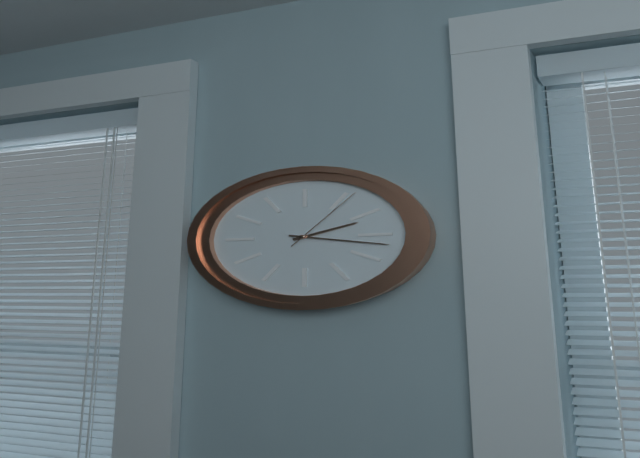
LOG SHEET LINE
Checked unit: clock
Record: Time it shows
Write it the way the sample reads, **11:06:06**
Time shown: **2:17:06**
